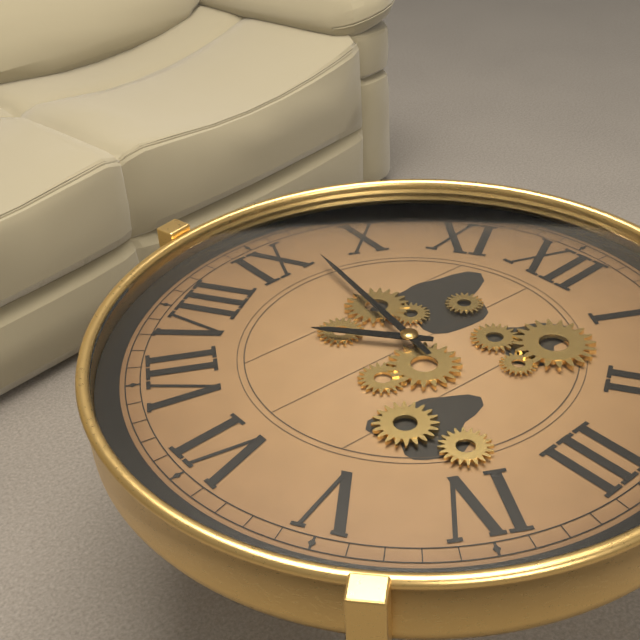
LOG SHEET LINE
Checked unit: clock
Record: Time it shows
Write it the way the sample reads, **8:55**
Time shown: **7:47**
